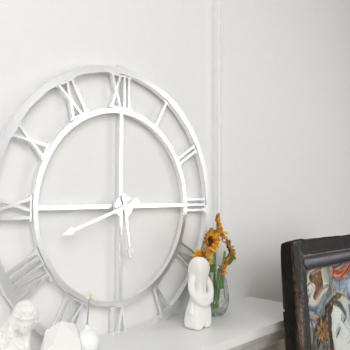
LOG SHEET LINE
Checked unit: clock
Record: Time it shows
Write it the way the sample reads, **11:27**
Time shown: **5:42**
